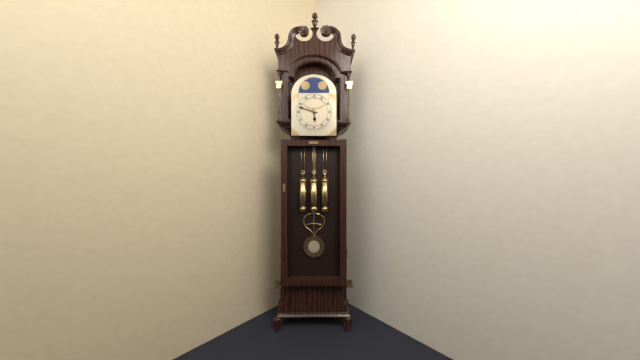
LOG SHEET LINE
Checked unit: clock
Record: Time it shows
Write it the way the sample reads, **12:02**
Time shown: **5:48**
